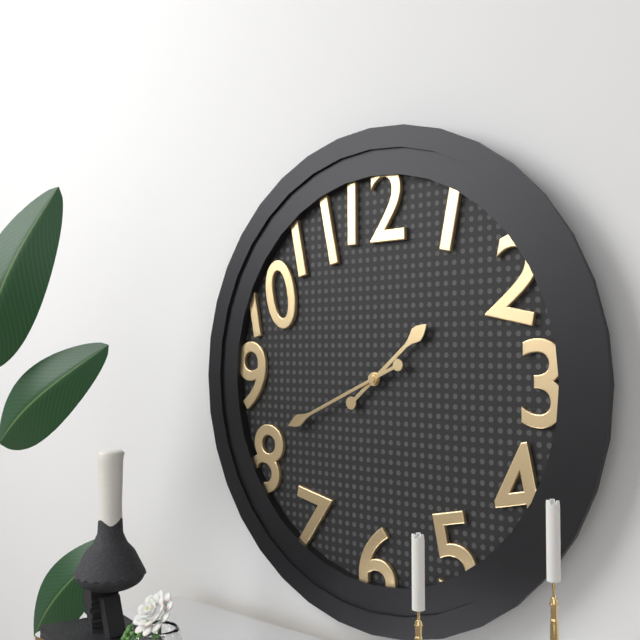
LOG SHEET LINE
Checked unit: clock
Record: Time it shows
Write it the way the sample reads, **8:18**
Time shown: **1:41**
